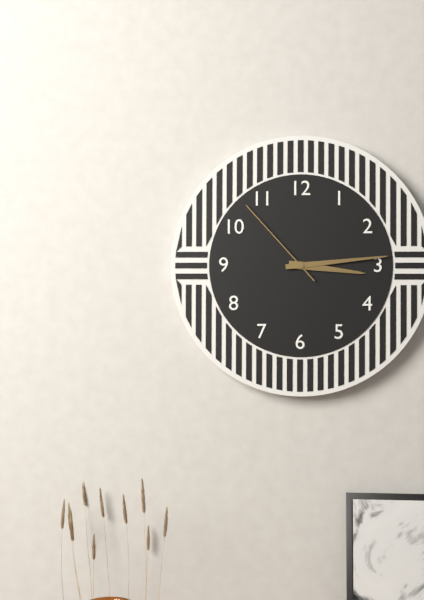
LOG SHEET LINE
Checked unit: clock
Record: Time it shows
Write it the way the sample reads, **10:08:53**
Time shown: **3:14:53**
